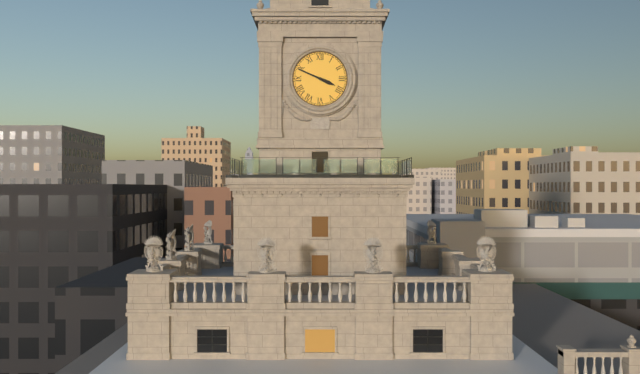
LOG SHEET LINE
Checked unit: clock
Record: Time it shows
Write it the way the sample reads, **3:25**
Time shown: **3:49**
